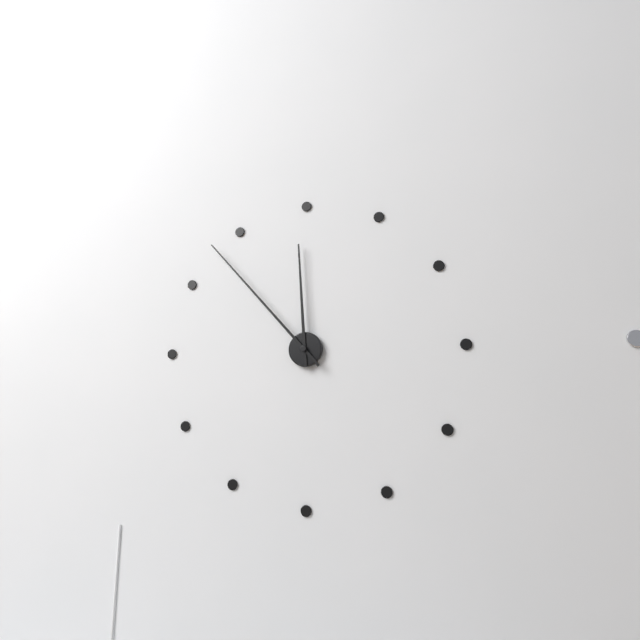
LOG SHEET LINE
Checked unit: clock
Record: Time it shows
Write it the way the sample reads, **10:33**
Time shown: **11:53**
